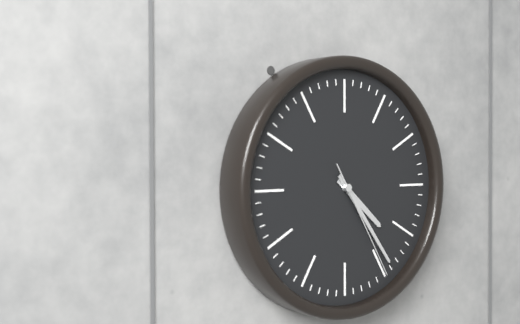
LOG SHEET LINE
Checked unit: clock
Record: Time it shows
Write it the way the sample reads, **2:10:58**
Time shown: **4:24:25**
